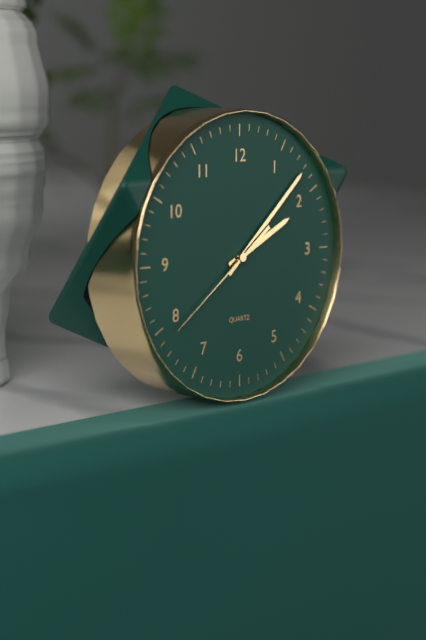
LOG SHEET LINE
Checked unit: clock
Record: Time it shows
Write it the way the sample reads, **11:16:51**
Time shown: **2:08:39**
